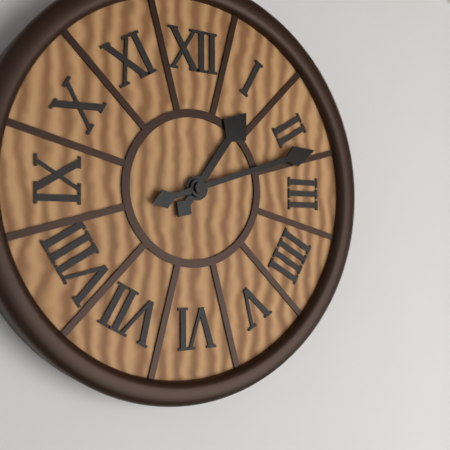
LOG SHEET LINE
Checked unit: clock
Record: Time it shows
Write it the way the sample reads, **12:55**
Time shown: **1:12**
